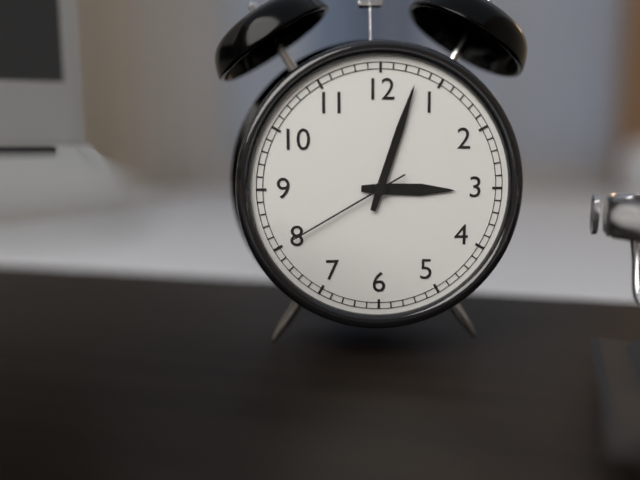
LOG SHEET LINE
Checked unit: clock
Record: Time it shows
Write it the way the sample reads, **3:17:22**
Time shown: **3:03:40**
